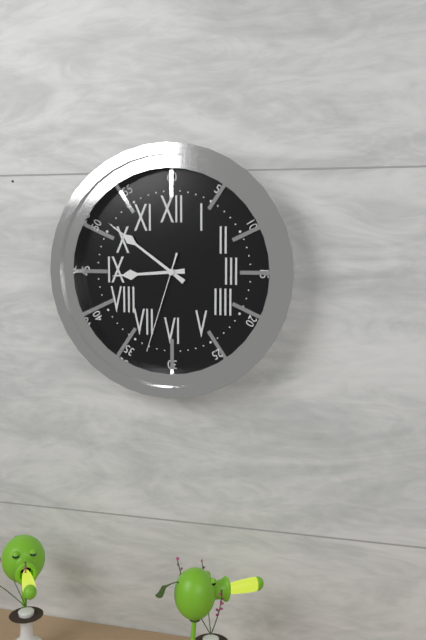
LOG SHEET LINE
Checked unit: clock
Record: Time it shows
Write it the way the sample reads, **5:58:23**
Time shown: **8:51:33**
